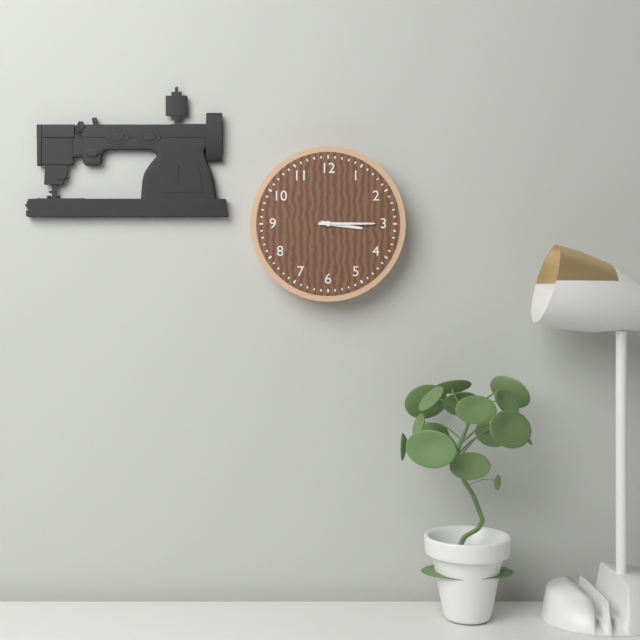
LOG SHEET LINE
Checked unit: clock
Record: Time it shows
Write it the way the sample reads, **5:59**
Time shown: **3:15**
